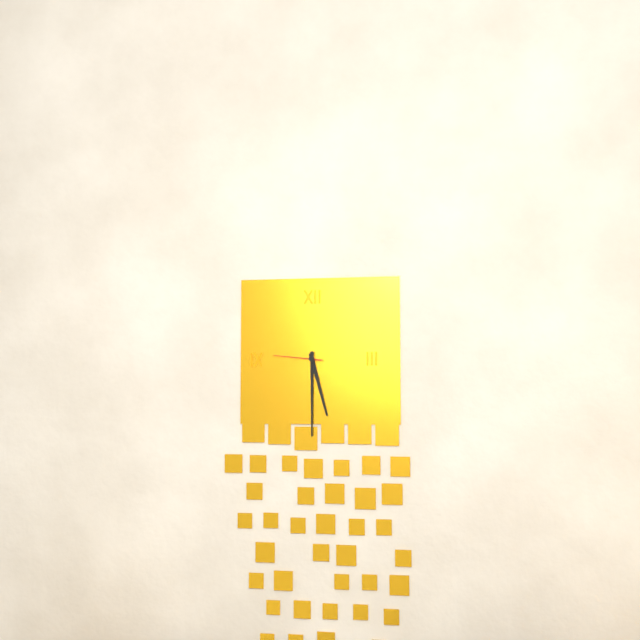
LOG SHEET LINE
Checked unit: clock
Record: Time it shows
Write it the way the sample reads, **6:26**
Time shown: **5:30**
